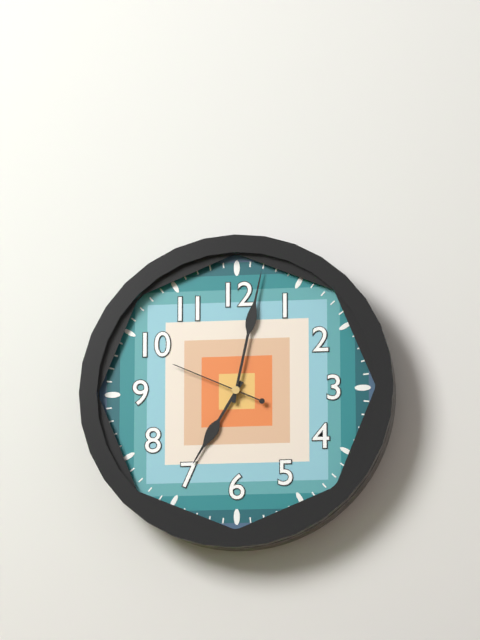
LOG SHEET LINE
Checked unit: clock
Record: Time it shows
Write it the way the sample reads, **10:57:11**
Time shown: **7:02:49**
